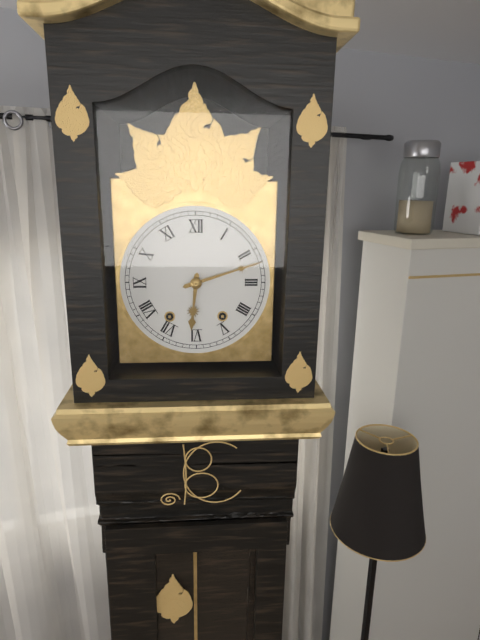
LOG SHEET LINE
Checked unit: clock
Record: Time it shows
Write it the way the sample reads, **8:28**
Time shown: **6:12**
